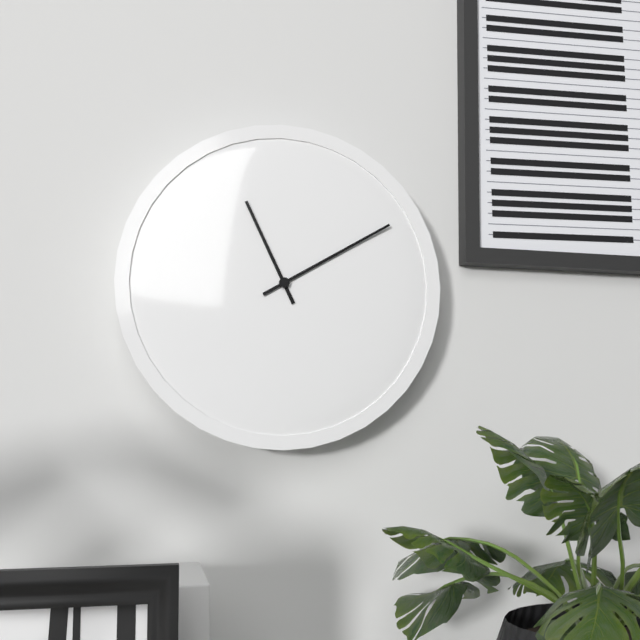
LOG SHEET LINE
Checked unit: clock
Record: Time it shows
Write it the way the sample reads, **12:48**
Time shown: **11:10**
